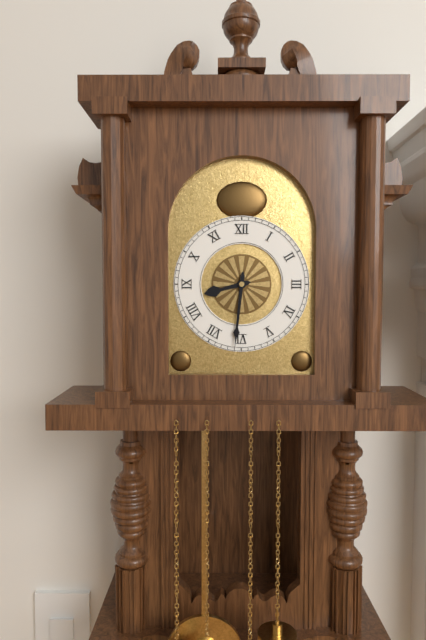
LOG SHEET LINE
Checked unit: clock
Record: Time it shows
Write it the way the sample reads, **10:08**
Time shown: **8:31**
